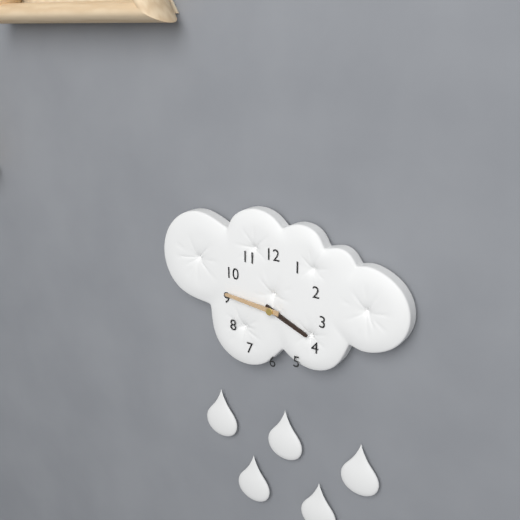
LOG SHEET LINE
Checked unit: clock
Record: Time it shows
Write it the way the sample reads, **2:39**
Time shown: **3:46**
